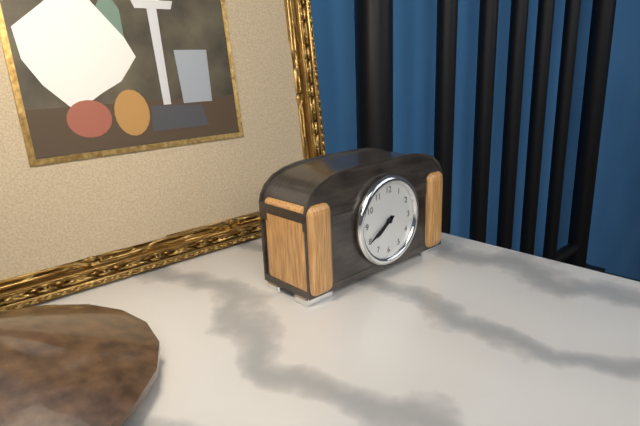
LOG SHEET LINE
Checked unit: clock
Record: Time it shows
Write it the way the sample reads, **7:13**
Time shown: **7:40**
